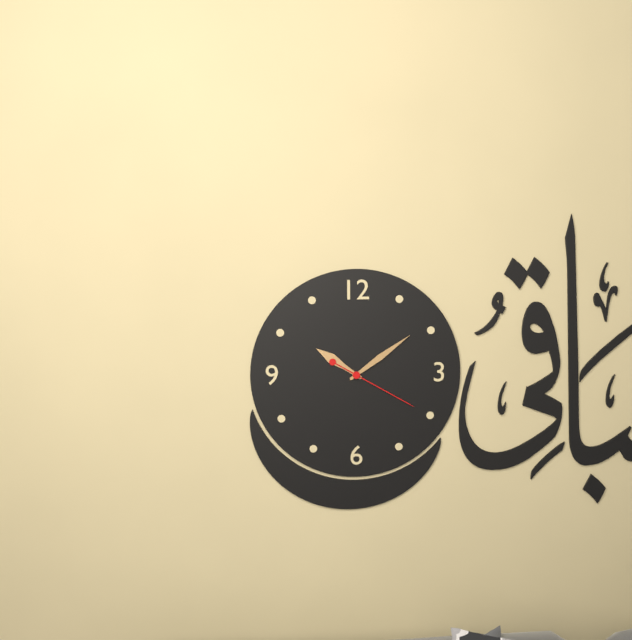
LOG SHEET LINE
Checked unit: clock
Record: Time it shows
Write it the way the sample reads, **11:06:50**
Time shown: **10:09:20**
